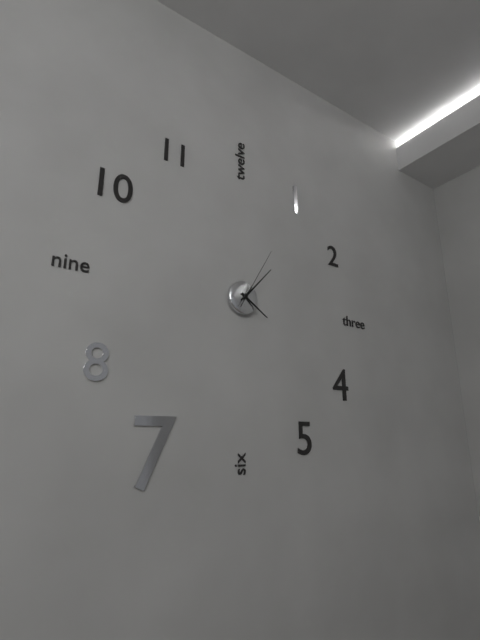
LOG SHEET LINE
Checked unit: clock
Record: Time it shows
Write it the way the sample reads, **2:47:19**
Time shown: **4:07:05**
